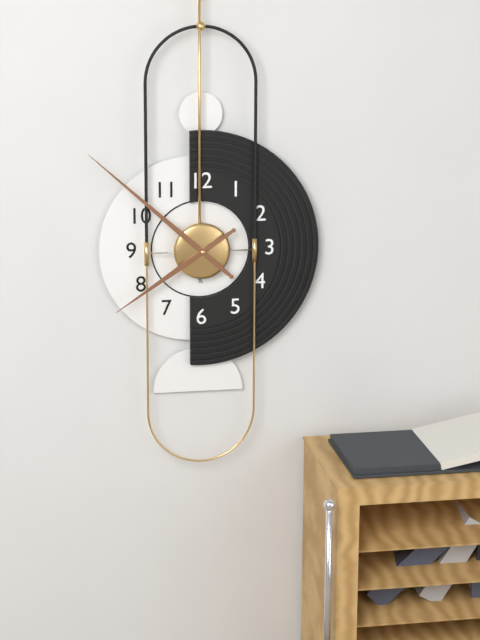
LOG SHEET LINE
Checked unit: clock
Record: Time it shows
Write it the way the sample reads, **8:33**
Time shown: **7:52**
